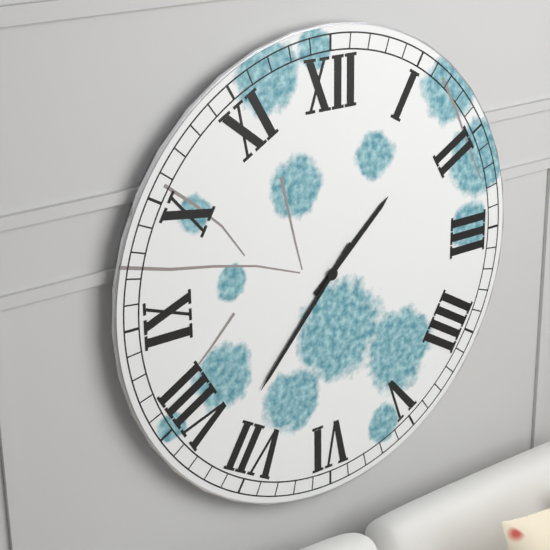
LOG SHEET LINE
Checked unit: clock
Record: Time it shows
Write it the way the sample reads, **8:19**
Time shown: **1:37**
